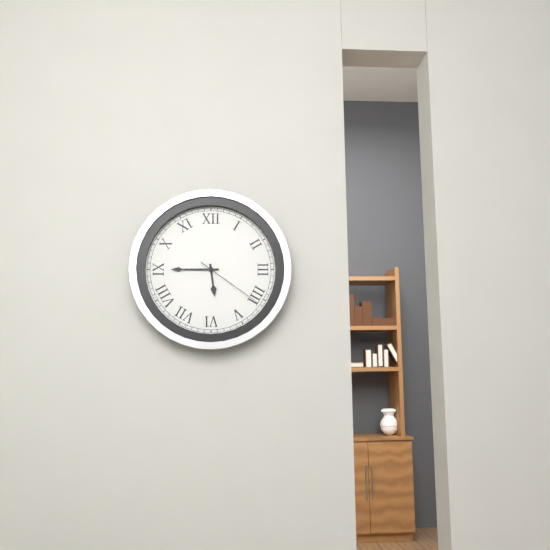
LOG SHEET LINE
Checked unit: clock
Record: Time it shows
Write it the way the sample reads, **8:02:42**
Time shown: **5:45:21**
